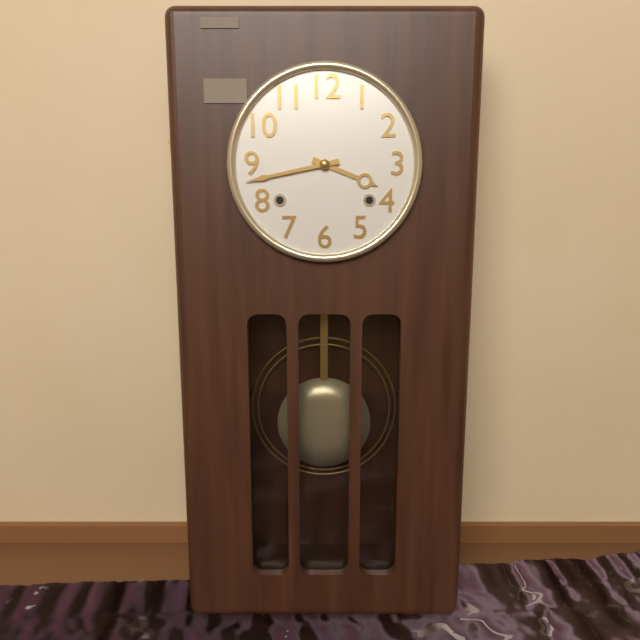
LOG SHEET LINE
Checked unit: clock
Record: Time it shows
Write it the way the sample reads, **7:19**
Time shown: **3:43**
